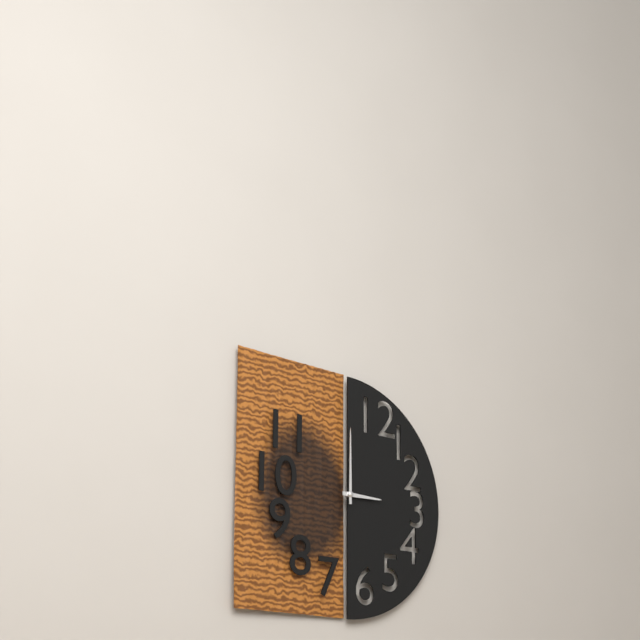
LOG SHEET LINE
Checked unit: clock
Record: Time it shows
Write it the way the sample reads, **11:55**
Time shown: **3:00**
